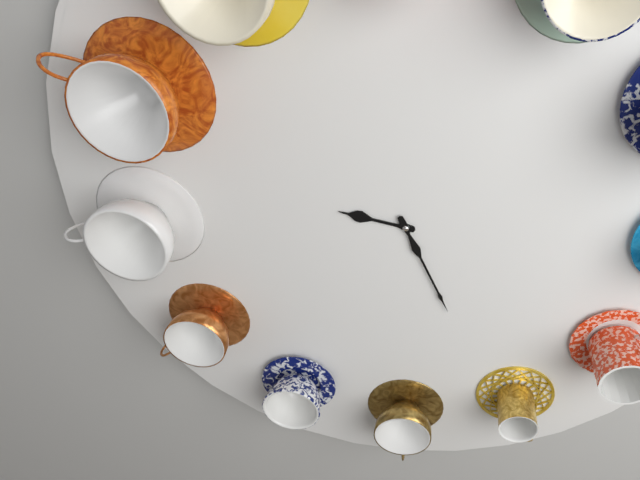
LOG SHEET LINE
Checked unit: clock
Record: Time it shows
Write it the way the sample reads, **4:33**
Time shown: **9:26**
